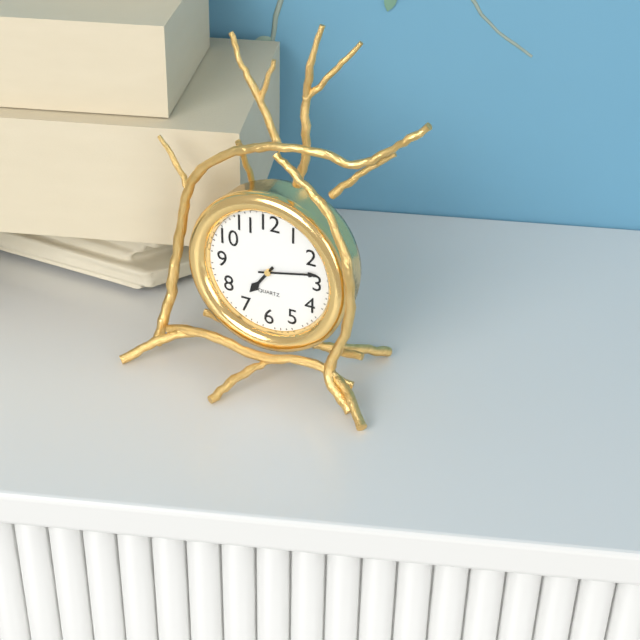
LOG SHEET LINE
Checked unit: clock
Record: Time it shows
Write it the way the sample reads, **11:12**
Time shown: **7:13**
